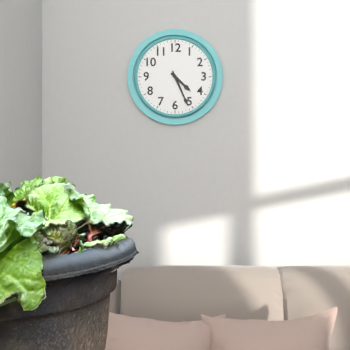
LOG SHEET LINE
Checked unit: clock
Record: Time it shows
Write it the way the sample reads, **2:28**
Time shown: **4:26**
